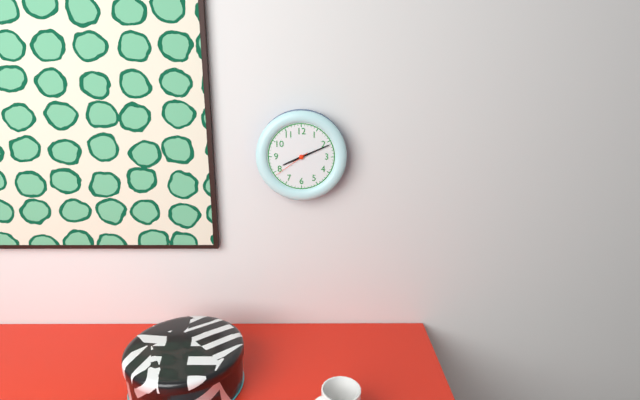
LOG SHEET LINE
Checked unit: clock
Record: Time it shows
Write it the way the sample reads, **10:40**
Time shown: **8:11**
